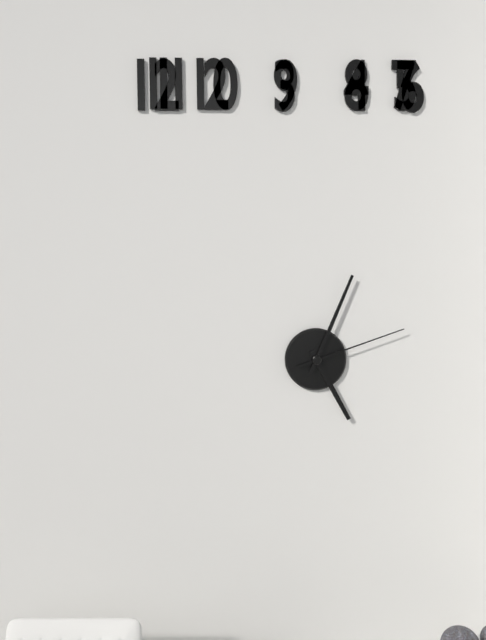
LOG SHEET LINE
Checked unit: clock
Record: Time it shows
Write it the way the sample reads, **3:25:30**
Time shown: **5:04:12**
